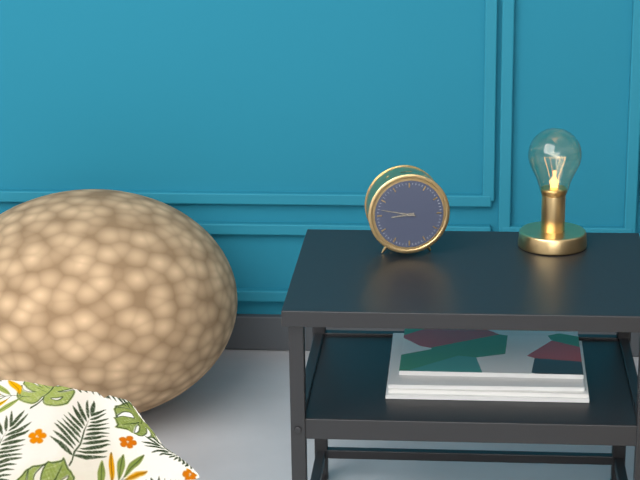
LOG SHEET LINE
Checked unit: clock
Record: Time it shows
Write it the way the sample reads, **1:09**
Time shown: **8:47**
